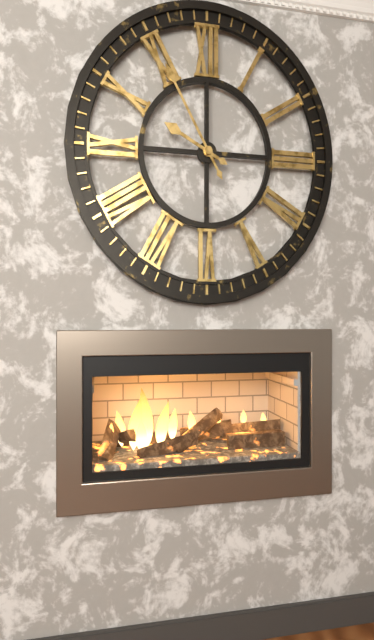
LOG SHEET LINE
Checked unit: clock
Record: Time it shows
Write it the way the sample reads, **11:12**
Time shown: **9:55**
